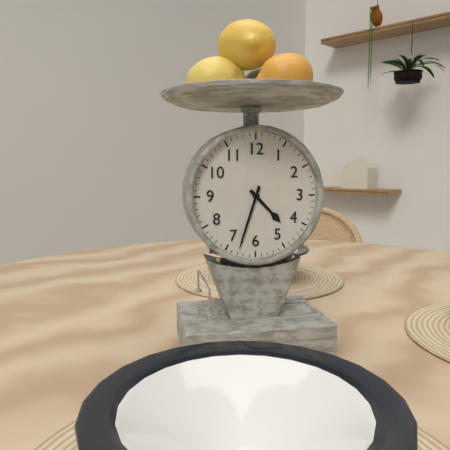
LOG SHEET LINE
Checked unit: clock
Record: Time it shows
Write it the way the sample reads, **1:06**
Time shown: **4:33**
